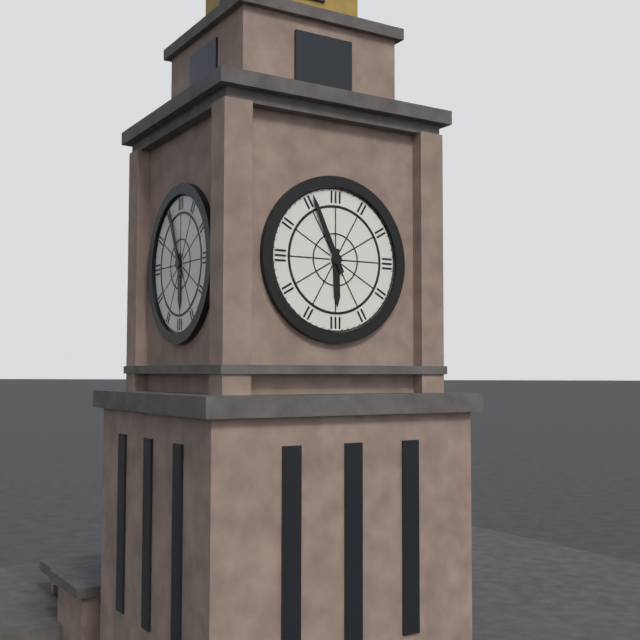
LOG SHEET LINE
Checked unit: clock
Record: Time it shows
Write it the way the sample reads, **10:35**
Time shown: **5:56**
